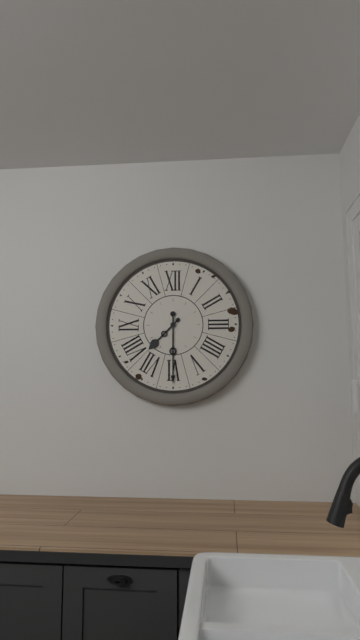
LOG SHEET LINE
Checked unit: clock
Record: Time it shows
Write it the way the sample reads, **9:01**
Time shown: **7:30**
